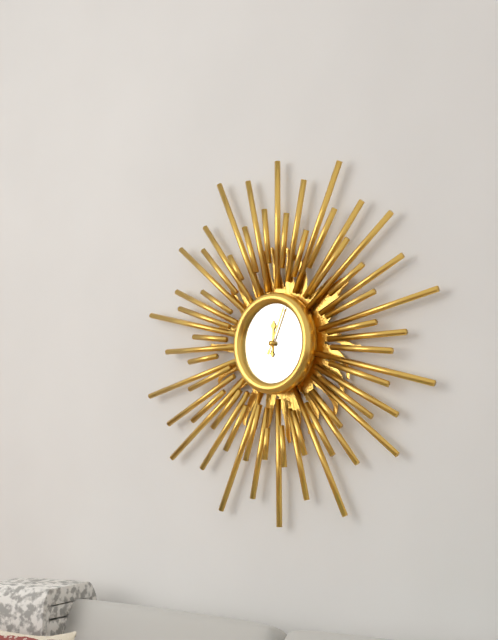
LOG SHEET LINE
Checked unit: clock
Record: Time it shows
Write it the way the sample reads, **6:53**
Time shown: **12:04**
